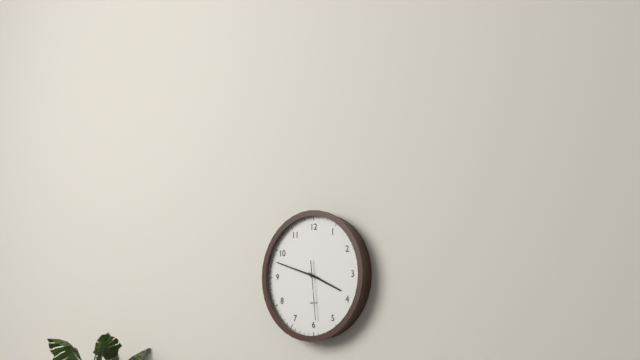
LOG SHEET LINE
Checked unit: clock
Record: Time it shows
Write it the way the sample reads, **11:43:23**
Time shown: **3:48:29**
